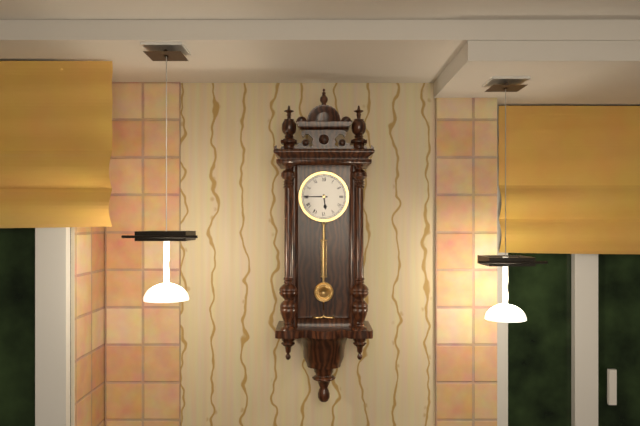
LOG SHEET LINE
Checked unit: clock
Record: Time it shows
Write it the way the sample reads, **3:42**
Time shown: **5:45**
